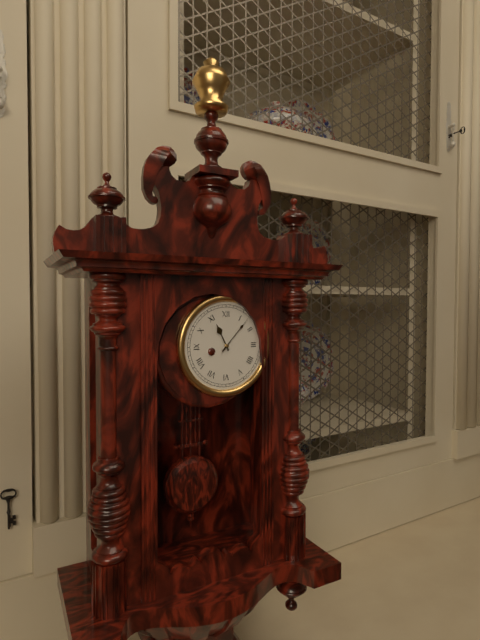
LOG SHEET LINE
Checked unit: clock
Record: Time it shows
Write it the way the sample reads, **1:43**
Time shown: **11:07**
